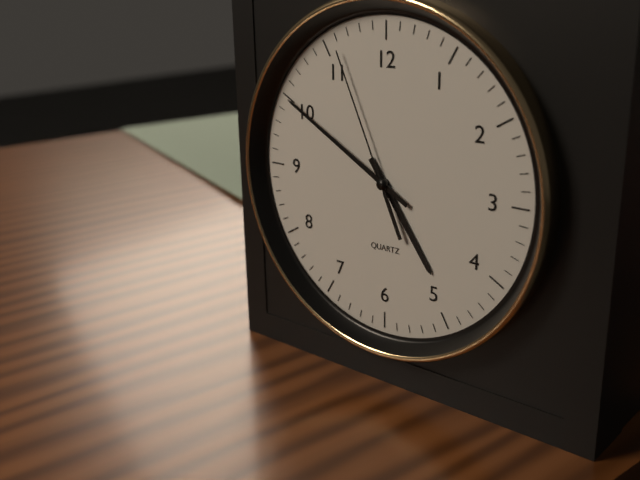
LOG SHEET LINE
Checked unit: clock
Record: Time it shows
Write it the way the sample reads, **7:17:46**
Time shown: **4:50:56**
